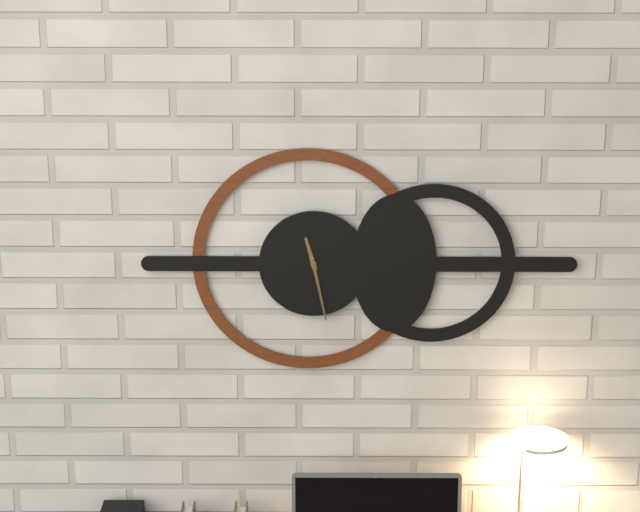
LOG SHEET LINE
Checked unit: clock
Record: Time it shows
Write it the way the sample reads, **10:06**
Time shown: **11:28**
